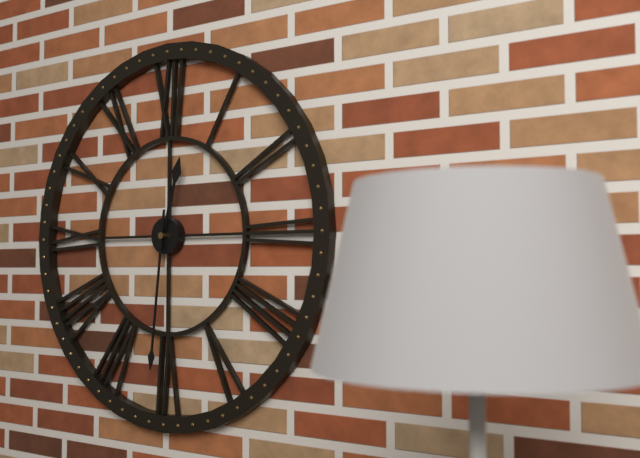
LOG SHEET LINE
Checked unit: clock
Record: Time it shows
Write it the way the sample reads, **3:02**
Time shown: **12:31**
